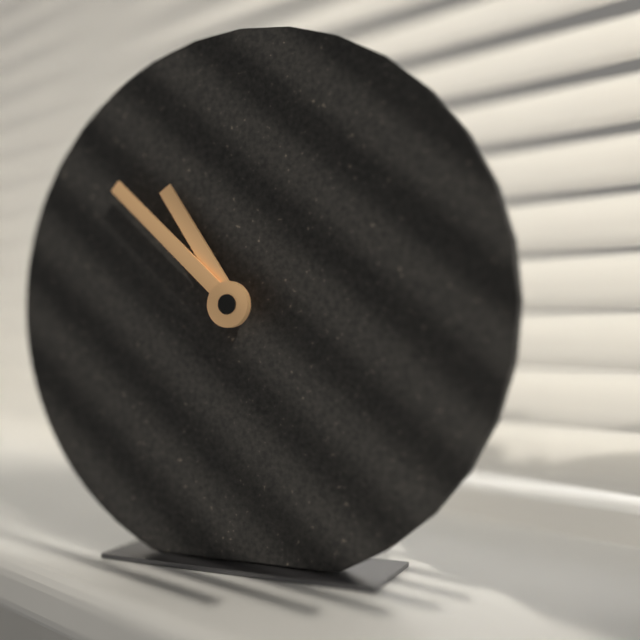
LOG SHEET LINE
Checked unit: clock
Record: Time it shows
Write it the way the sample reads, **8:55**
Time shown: **10:52**
